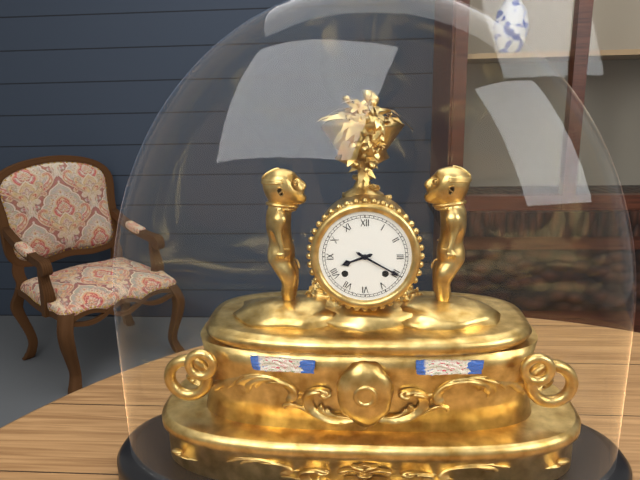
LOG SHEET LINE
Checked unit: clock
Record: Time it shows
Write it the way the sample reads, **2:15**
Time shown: **8:20**
